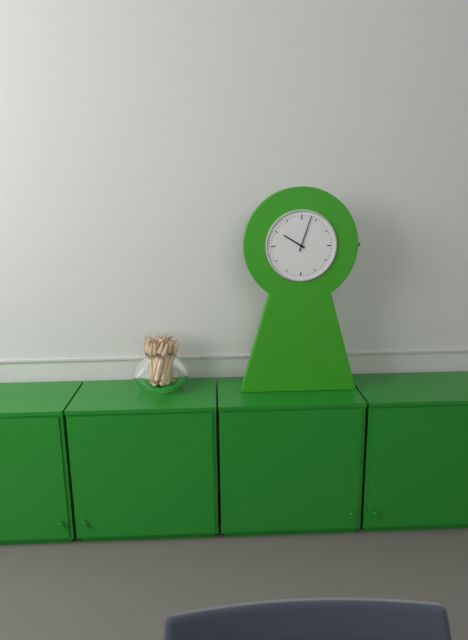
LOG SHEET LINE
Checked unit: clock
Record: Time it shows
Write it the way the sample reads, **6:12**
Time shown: **10:03**
